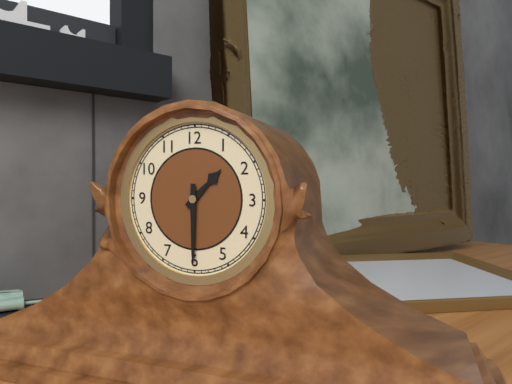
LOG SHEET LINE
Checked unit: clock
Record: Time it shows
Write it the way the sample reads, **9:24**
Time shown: **1:30**
